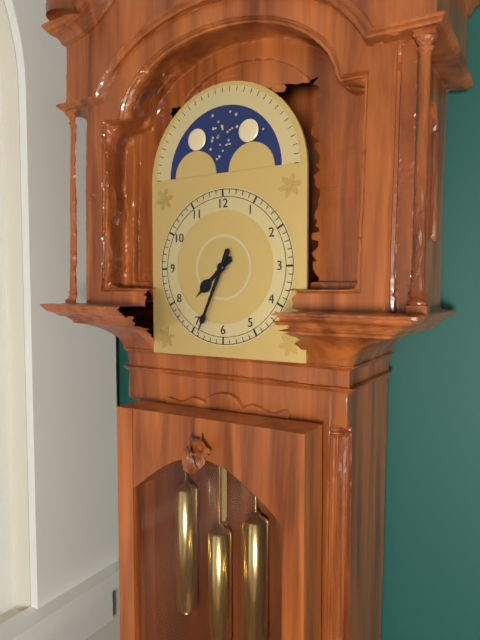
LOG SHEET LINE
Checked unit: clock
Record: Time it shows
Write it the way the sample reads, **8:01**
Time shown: **7:34**
